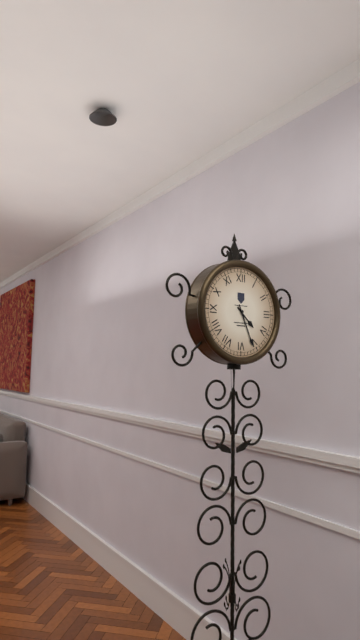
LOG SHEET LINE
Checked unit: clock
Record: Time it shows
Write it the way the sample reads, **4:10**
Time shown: **4:26**
